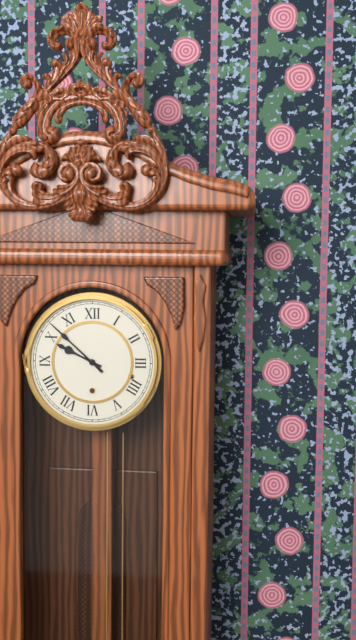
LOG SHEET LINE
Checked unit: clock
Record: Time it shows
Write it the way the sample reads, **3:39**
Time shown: **9:52**
